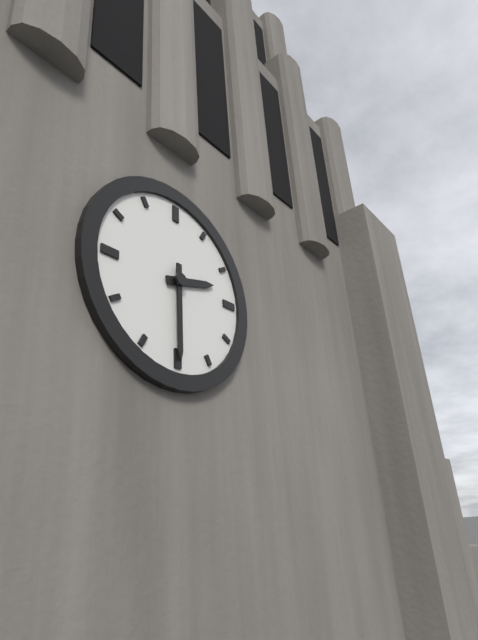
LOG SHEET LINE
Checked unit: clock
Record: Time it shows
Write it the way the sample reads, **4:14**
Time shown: **2:30**
